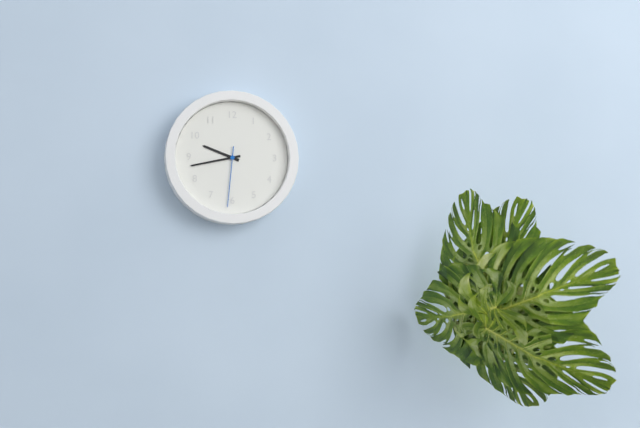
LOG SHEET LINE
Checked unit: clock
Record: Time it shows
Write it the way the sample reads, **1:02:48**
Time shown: **9:43:31**
